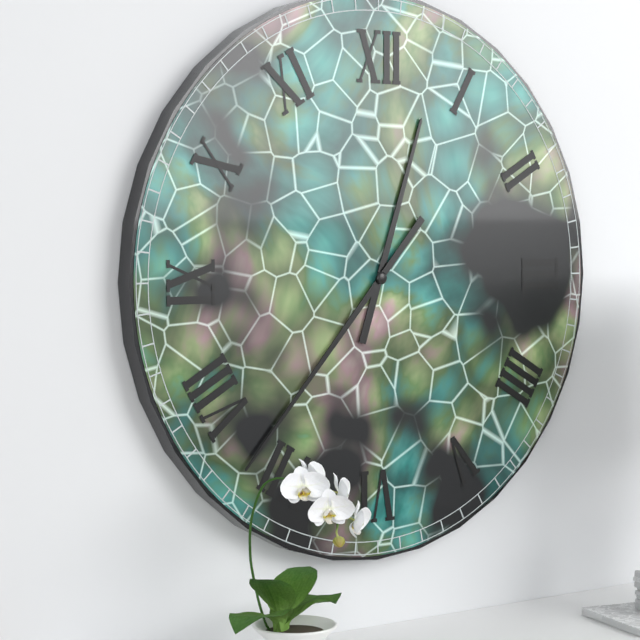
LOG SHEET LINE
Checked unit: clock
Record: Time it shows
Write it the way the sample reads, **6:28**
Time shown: **12:37**
